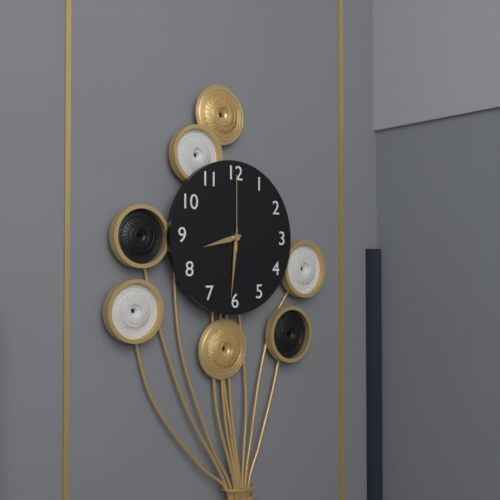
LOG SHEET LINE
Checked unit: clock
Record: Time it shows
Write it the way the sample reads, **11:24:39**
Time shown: **8:31:00**
